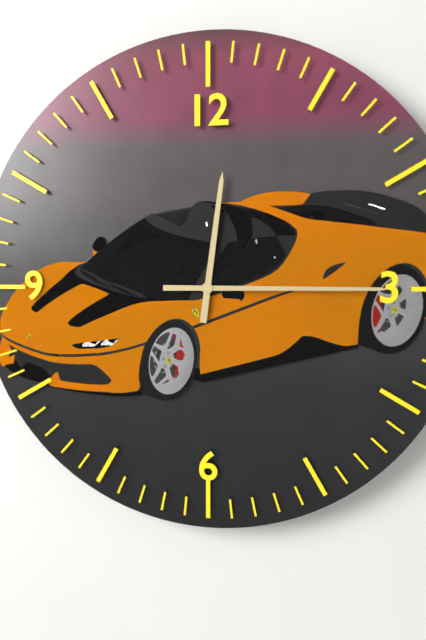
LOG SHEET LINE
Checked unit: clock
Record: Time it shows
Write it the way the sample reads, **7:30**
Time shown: **12:15**
